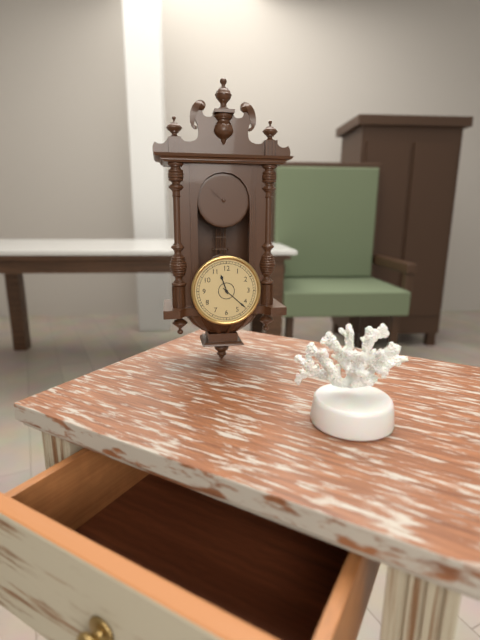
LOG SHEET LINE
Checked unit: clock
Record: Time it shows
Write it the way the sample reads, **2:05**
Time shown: **11:22**
